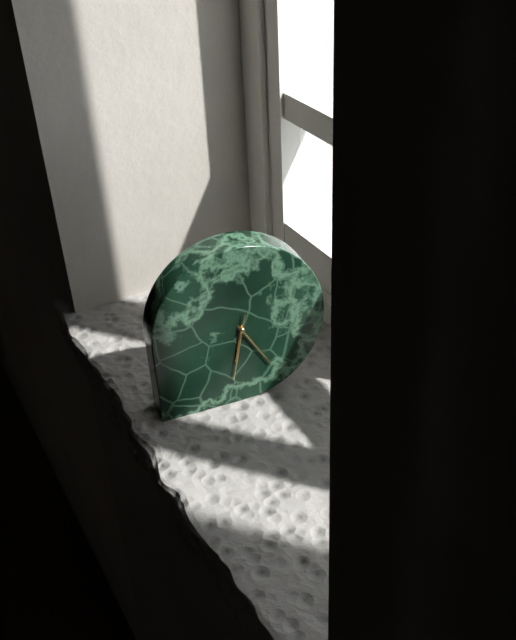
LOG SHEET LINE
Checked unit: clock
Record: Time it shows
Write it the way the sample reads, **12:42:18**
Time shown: **6:25:32**
